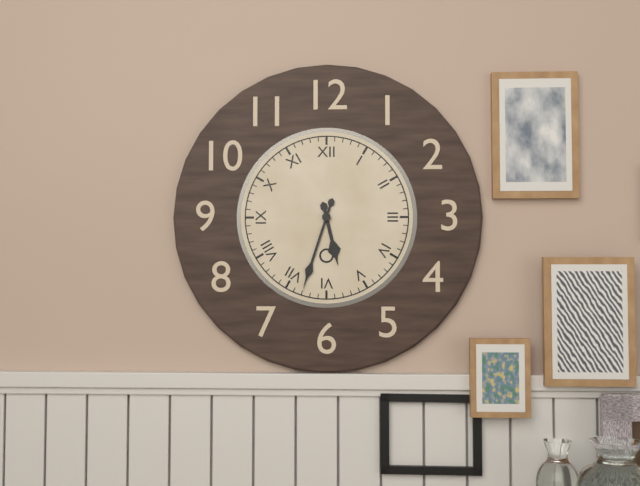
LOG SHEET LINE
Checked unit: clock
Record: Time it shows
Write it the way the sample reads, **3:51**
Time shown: **5:33**
